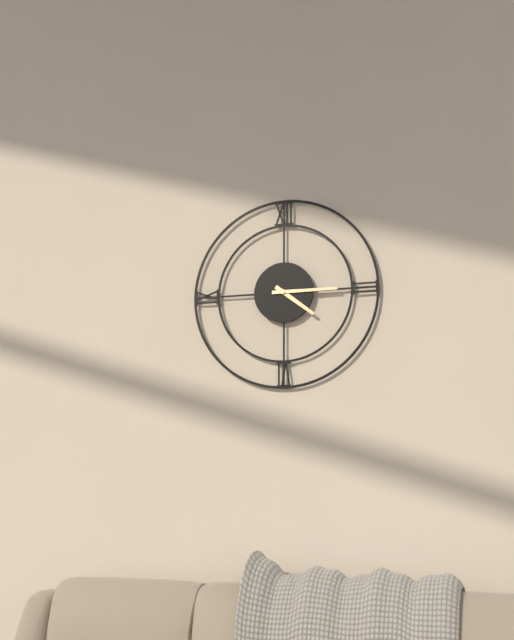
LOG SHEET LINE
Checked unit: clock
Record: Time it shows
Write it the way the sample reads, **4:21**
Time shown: **4:15**
